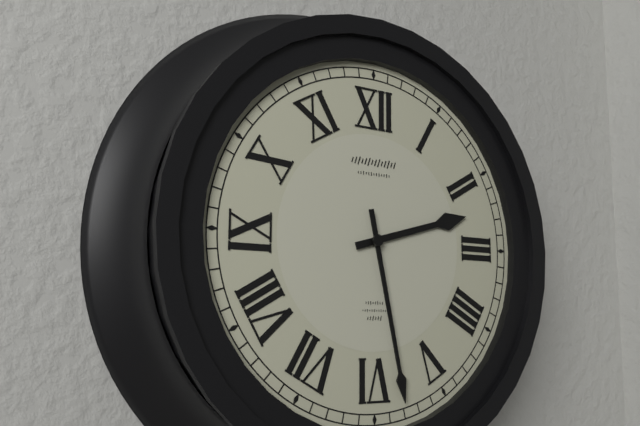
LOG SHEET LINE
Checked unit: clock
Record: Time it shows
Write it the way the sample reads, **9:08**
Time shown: **2:28**
